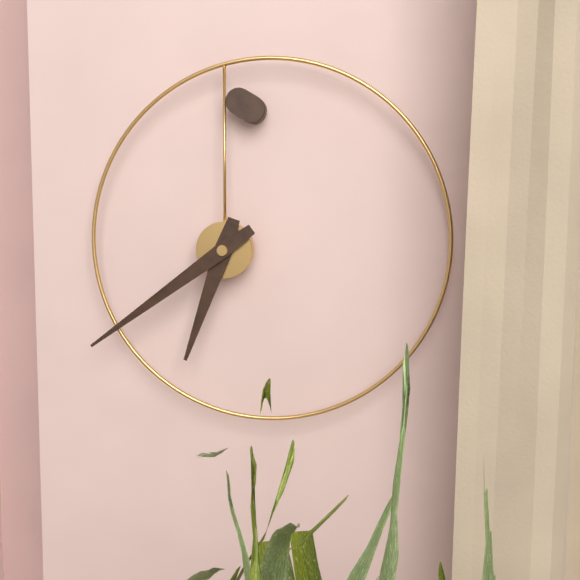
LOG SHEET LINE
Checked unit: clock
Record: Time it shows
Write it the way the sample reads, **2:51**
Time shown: **6:39**
